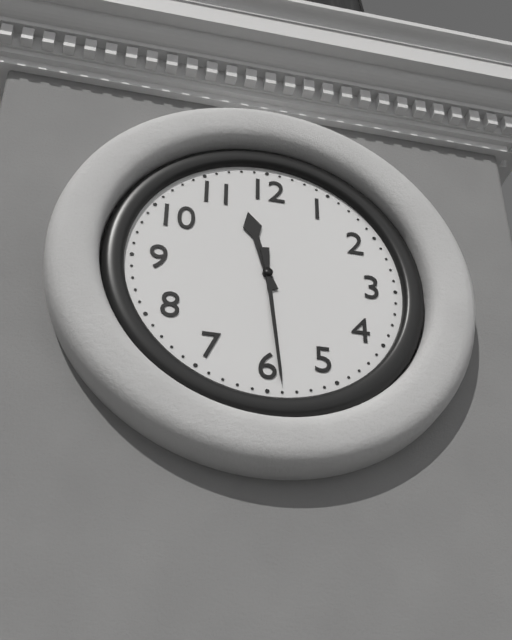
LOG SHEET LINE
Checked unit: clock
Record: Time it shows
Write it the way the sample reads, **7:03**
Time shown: **11:29**
